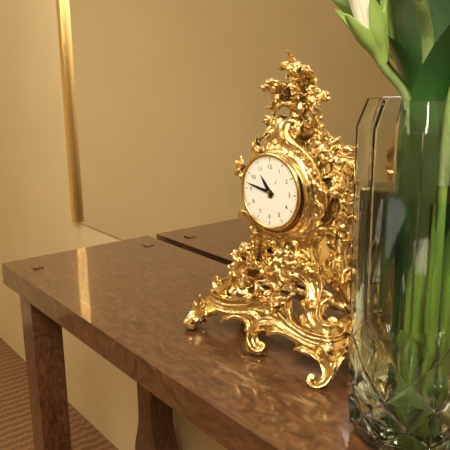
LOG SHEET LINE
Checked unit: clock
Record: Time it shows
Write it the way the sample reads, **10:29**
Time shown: **10:47**
